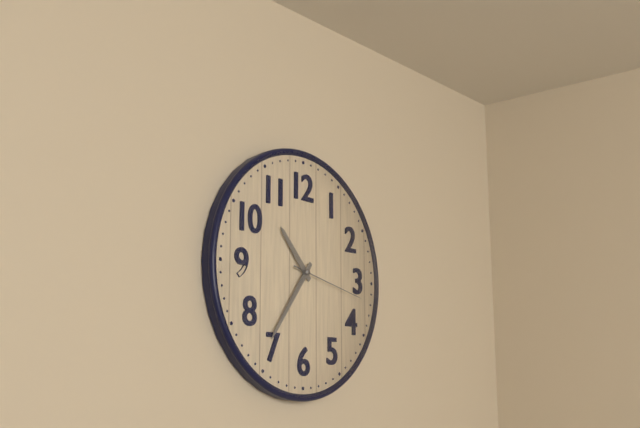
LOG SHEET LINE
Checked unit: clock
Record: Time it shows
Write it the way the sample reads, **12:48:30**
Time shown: **10:36:17**
